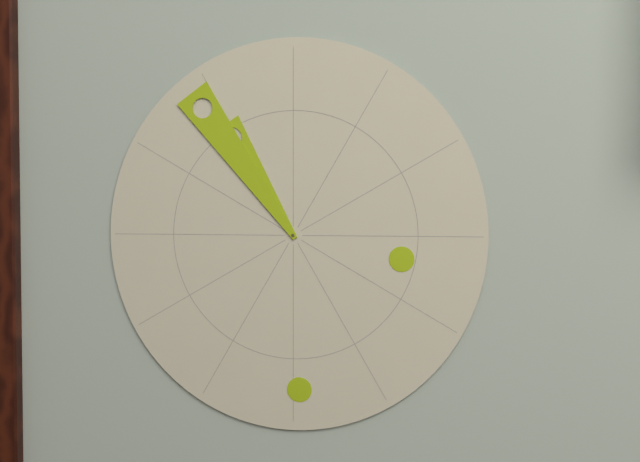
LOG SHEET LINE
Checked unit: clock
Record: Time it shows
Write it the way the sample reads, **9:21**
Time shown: **10:54**
